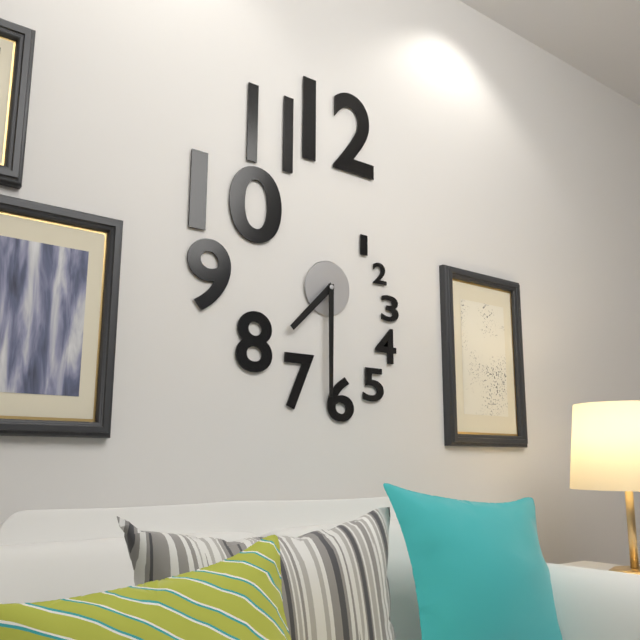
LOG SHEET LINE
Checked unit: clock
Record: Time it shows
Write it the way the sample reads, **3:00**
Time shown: **7:30**
